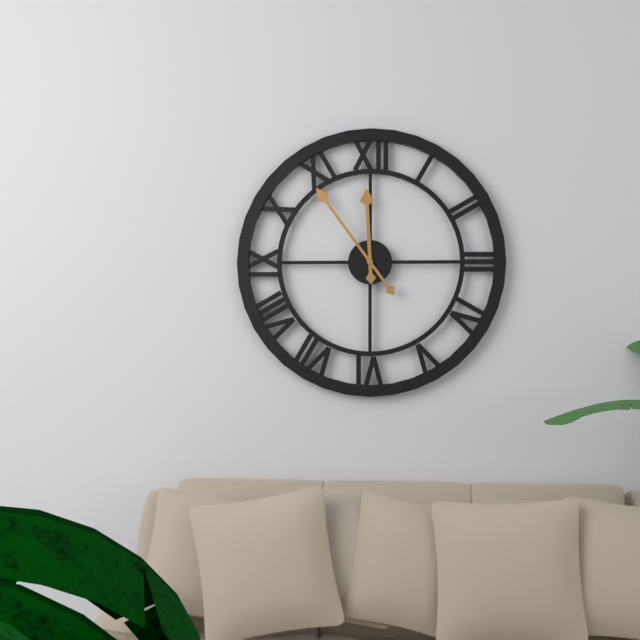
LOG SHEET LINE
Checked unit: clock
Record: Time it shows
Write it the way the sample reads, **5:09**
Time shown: **11:54**
